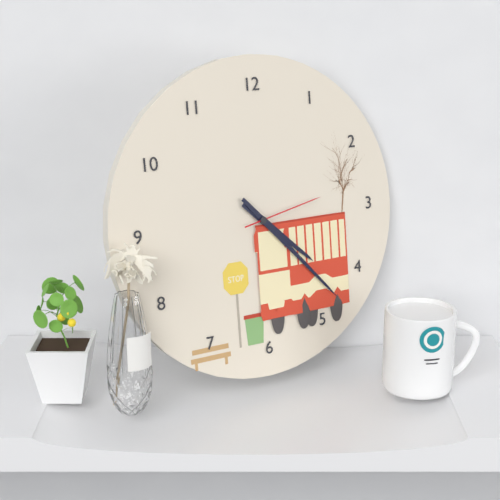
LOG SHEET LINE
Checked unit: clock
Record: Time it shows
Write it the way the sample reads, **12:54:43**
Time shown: **4:23:13**
